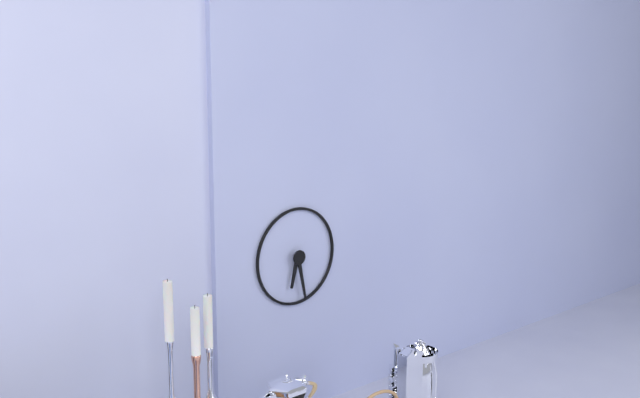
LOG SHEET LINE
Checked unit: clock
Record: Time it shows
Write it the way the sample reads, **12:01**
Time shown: **6:28**
